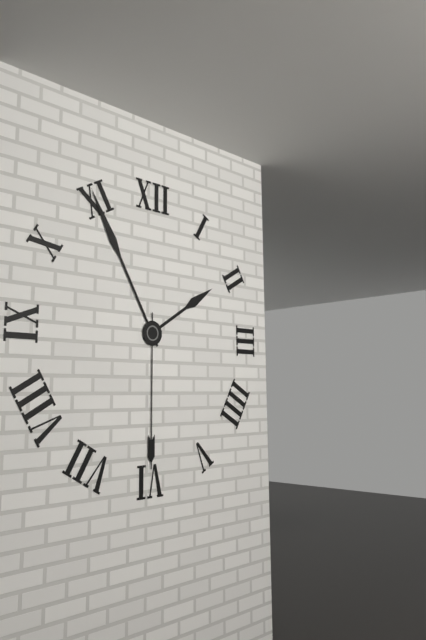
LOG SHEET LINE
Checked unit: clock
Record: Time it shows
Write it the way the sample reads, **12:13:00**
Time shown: **1:55:30**
